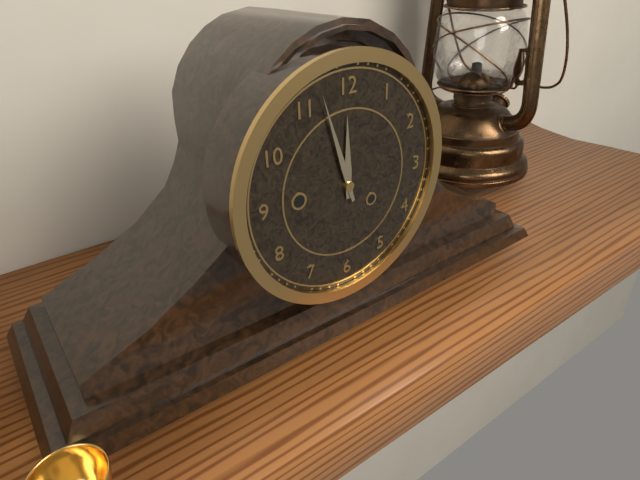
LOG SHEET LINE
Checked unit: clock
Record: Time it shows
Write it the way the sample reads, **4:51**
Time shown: **11:57**
